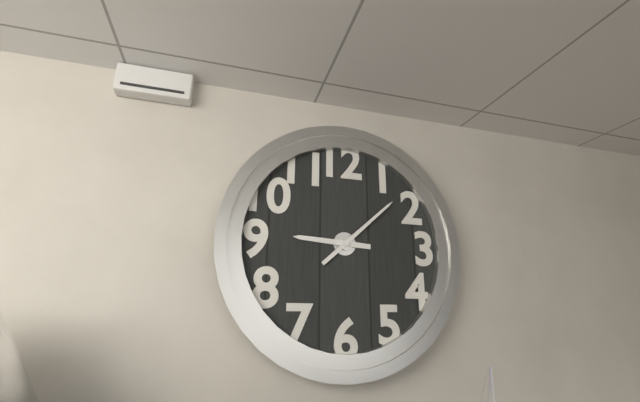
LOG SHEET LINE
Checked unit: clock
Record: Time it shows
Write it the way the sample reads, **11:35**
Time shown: **9:08**
